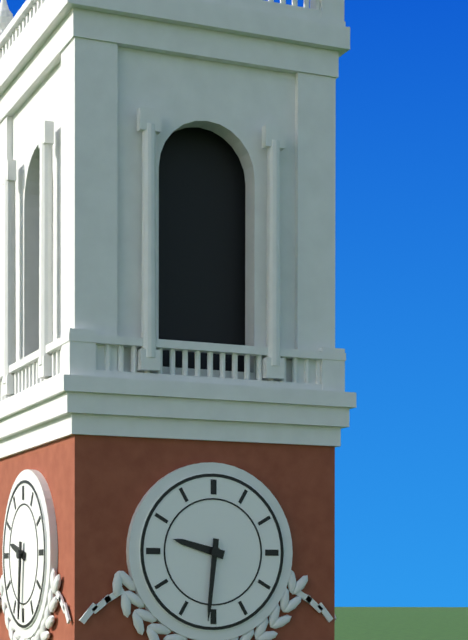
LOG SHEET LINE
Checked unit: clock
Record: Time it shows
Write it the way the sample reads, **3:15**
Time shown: **9:31**
